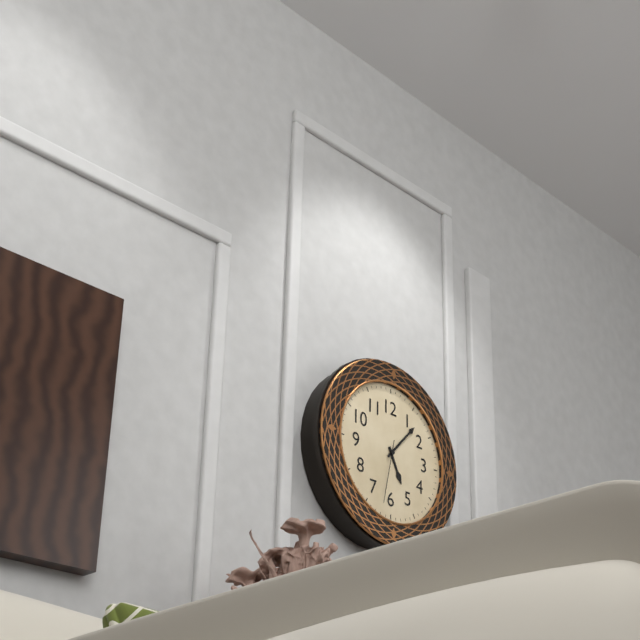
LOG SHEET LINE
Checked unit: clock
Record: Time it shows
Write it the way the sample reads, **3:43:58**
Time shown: **5:07:32**
